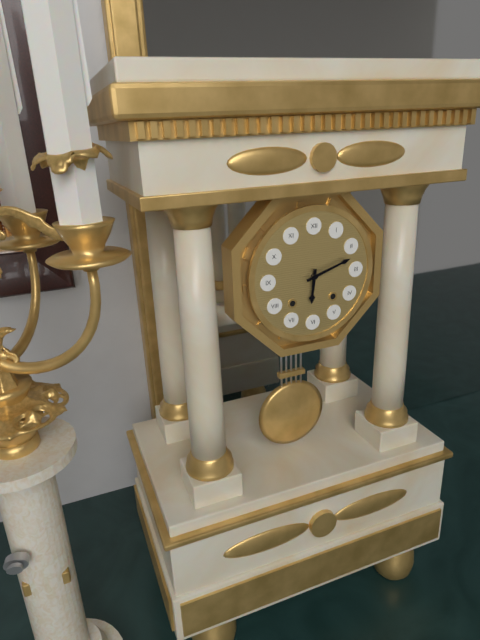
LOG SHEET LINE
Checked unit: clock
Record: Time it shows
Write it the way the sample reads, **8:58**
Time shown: **6:12**
